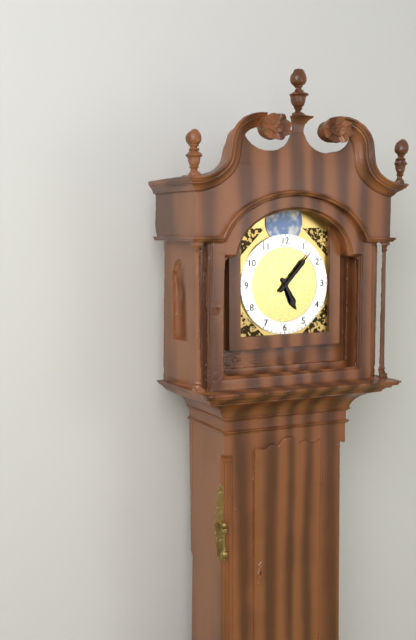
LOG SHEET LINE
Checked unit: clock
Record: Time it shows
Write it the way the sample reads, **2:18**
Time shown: **5:07**
